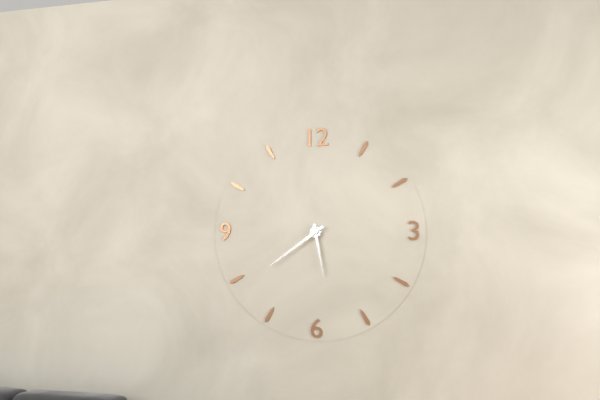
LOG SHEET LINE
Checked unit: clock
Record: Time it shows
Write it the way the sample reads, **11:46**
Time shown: **5:39**
